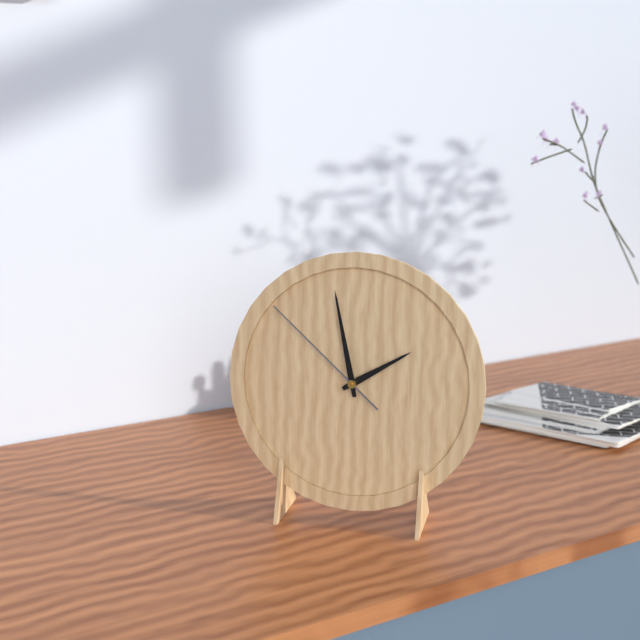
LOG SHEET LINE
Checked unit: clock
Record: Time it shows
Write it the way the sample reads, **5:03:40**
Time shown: **1:58:52**
